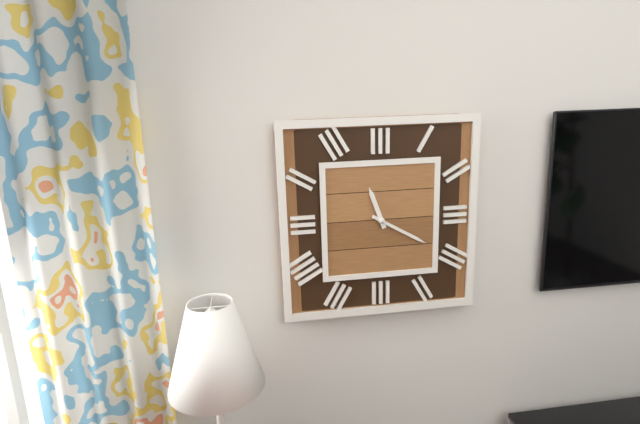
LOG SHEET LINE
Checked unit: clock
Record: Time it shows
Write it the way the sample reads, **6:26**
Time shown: **11:20**
